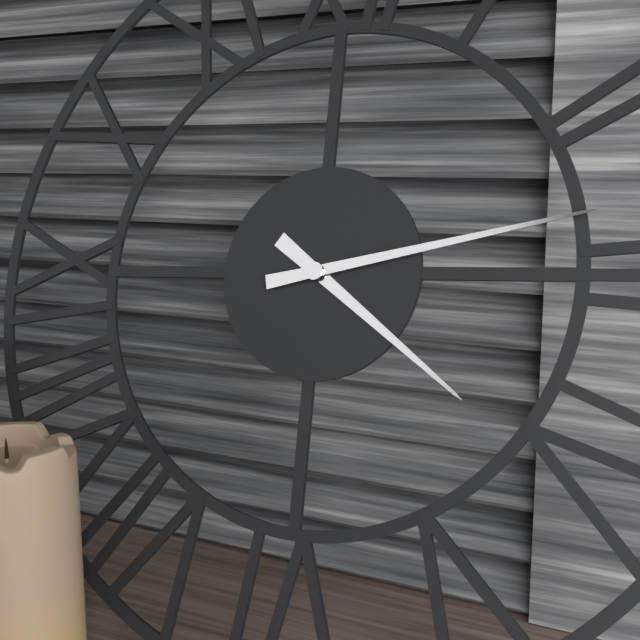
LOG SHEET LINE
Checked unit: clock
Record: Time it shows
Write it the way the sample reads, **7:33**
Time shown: **4:13**
